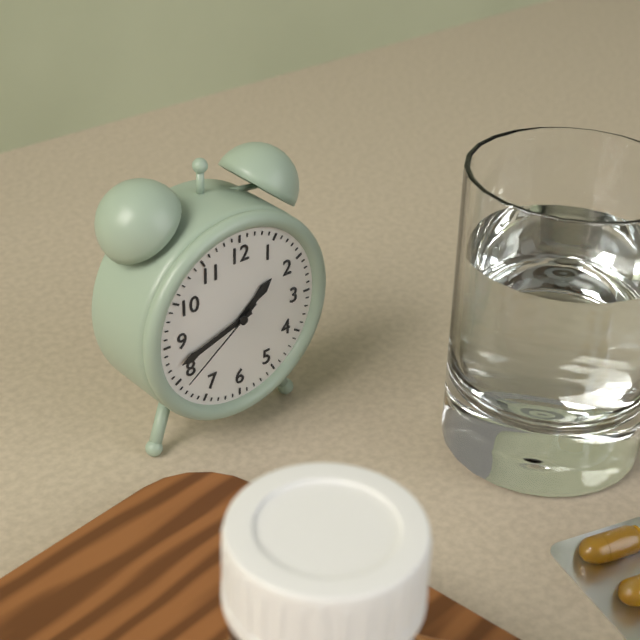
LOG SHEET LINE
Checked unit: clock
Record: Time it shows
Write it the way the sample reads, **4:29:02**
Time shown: **1:42:39**
